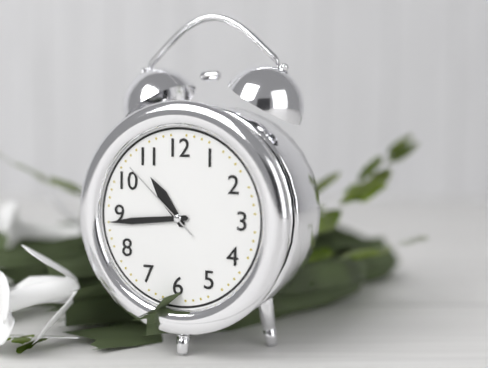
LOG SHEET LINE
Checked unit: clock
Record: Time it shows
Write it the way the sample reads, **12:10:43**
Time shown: **10:44:52**
